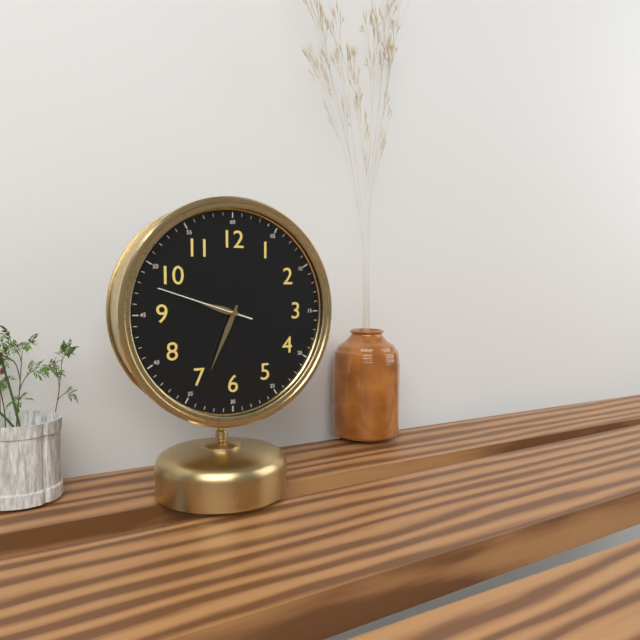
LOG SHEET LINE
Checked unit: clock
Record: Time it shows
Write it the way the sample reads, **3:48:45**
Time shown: **9:34:48**
